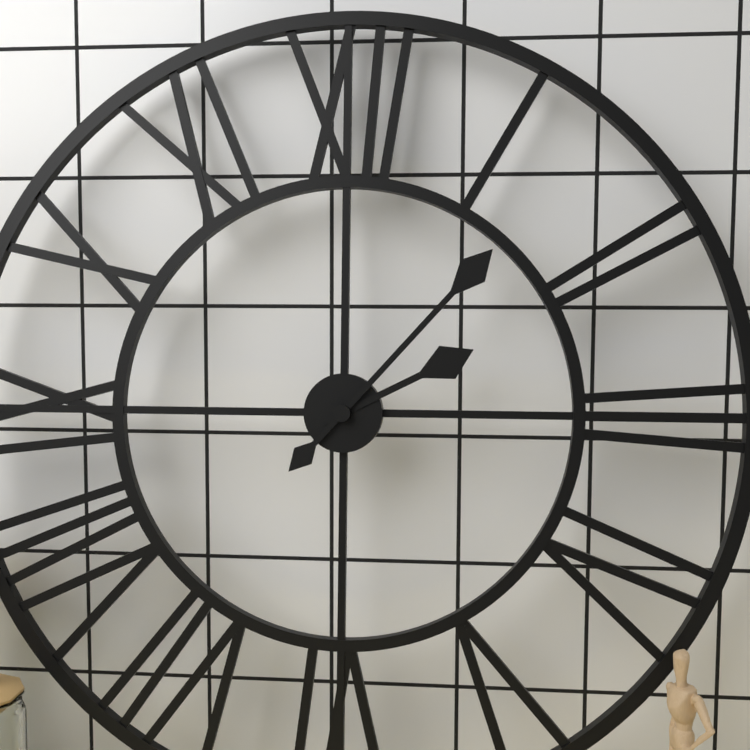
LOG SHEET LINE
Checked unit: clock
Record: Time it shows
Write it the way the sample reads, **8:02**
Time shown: **2:07**
